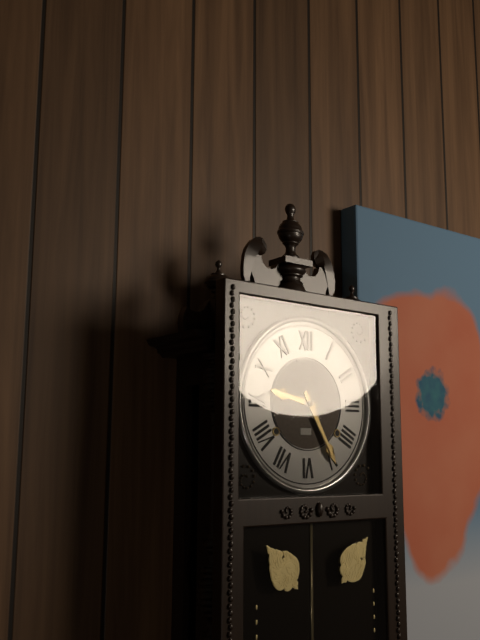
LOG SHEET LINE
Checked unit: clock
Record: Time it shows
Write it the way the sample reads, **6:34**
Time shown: **9:25**
